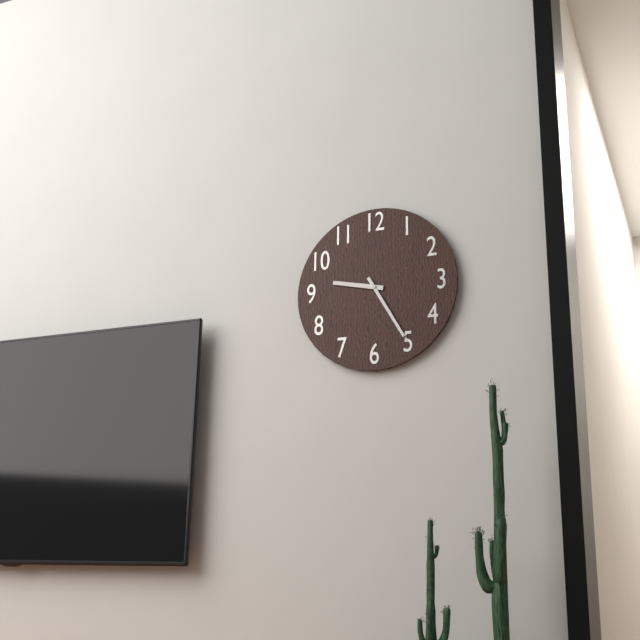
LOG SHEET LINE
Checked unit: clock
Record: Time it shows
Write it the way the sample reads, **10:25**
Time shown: **9:25**
